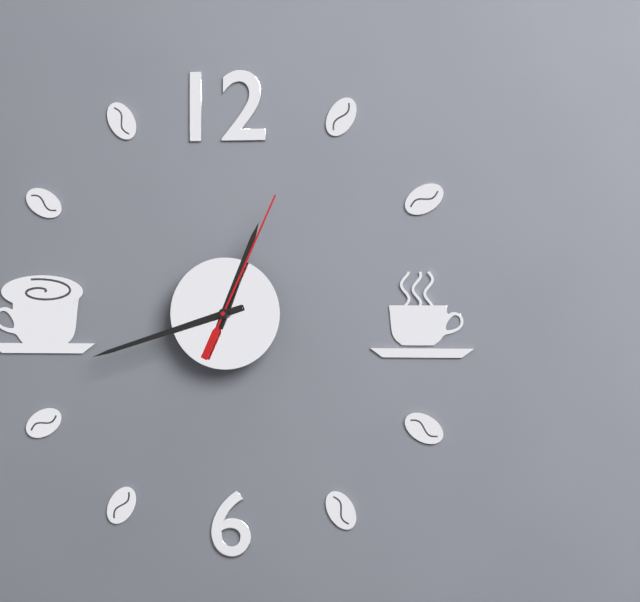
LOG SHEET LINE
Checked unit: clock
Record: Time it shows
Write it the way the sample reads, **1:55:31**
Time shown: **12:42:04**
